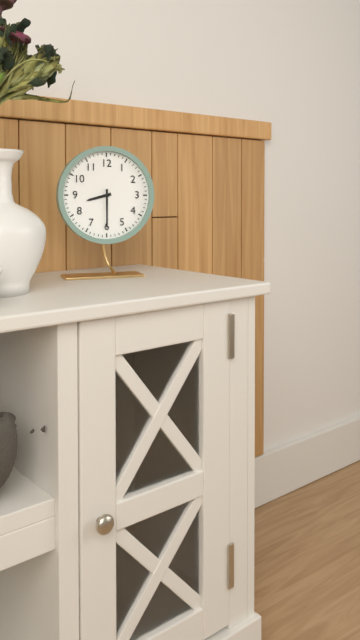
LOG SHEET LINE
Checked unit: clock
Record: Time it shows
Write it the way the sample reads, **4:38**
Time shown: **8:30**
